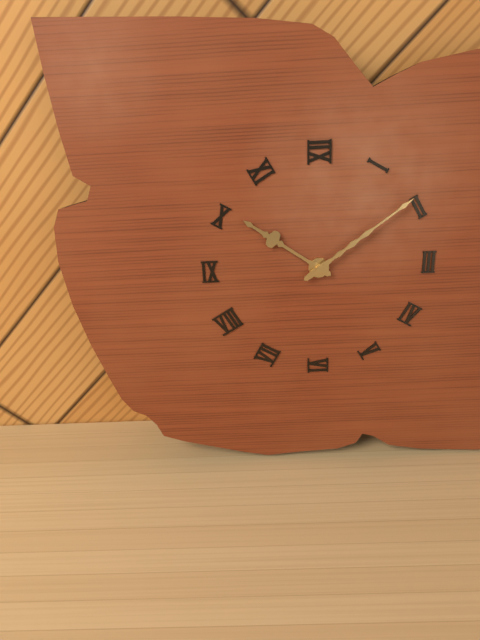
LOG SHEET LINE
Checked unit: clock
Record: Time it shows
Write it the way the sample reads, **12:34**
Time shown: **10:09**
